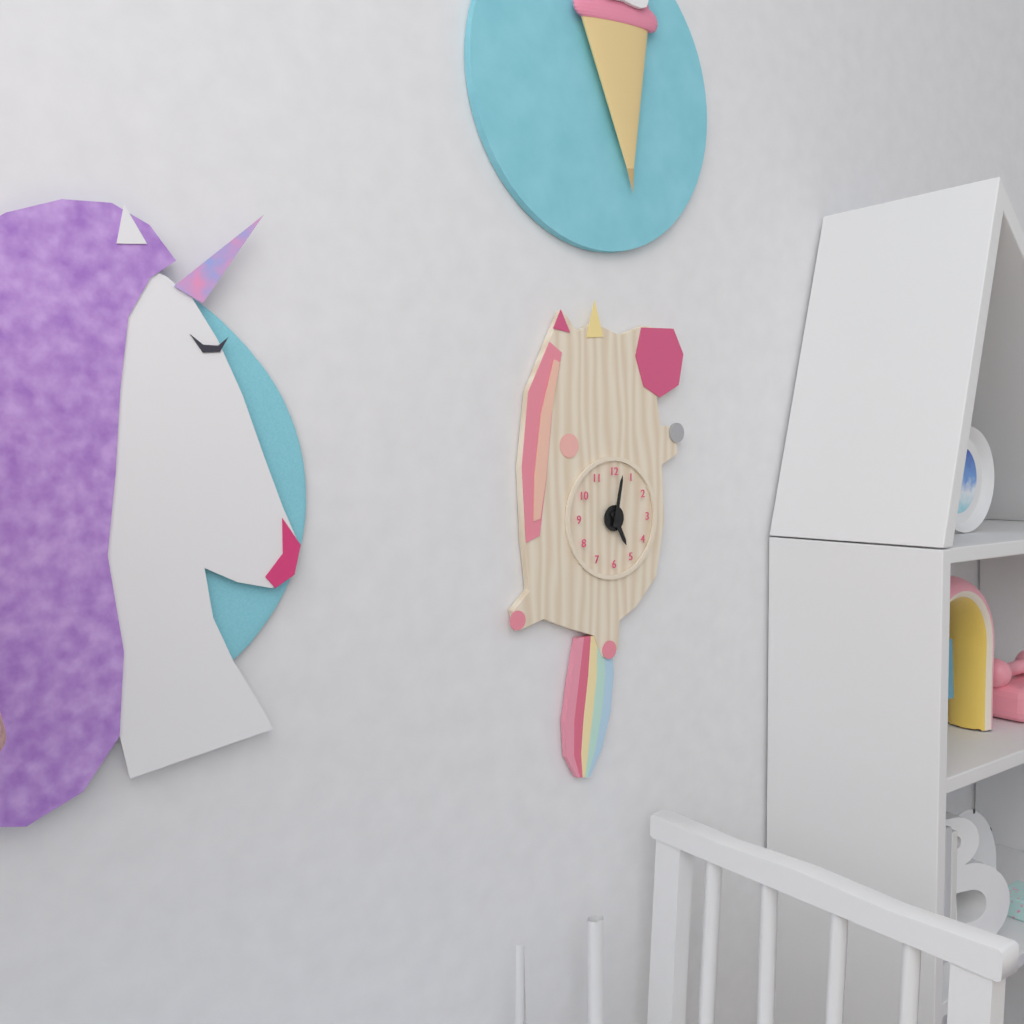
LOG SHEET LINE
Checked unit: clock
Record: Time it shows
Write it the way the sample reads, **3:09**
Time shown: **5:02**
